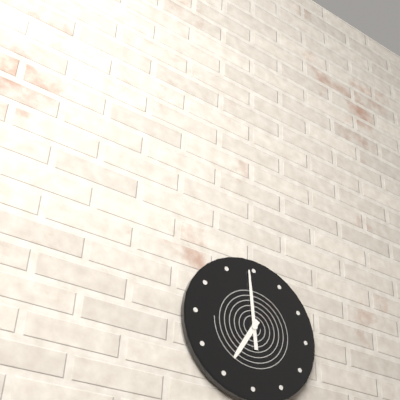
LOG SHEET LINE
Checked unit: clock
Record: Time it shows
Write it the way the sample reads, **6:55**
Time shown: **6:59**
